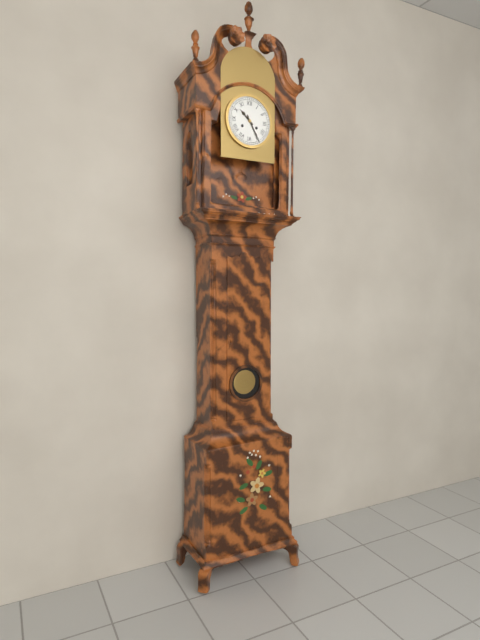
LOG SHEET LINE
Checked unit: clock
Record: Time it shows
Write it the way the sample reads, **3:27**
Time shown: **10:25**
